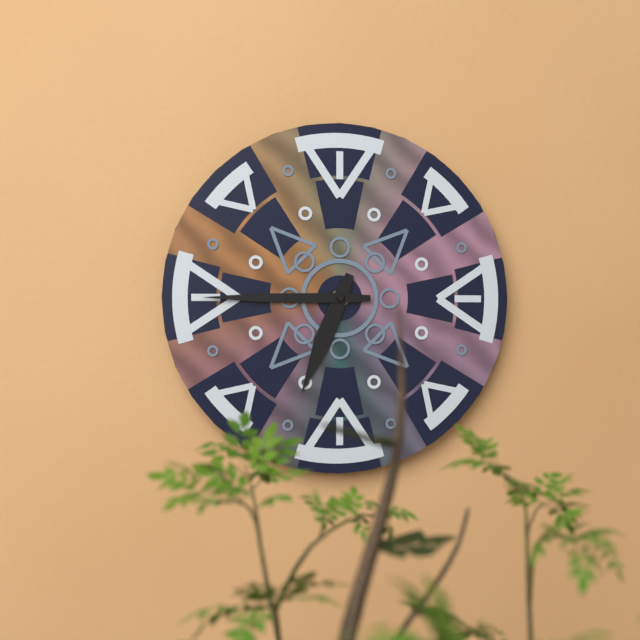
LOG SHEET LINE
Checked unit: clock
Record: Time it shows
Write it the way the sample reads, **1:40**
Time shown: **6:45**
